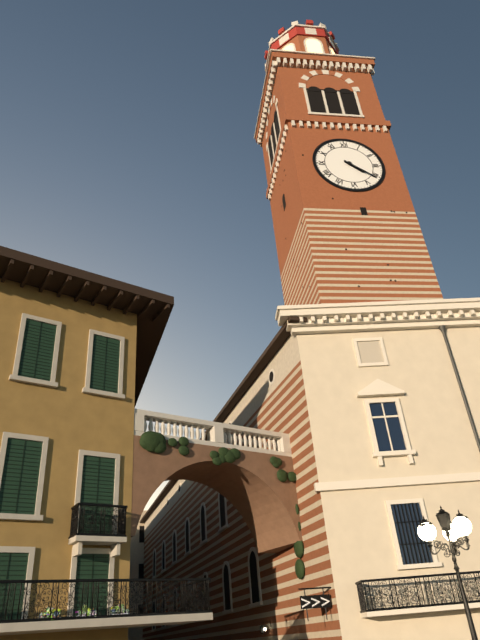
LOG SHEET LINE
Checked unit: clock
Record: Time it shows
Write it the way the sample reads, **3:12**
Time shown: **4:21**
